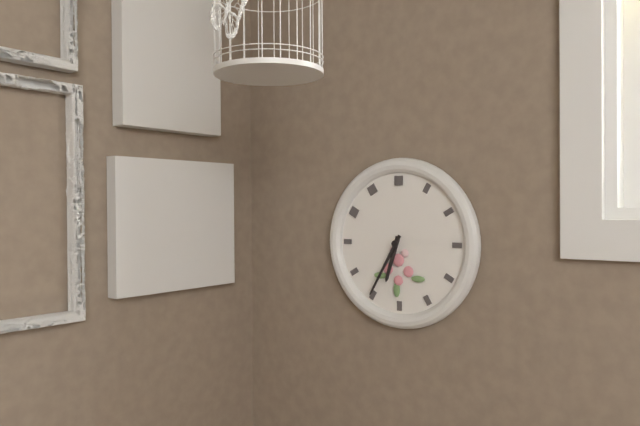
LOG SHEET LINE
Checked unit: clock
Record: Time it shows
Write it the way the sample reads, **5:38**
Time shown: **6:35**
